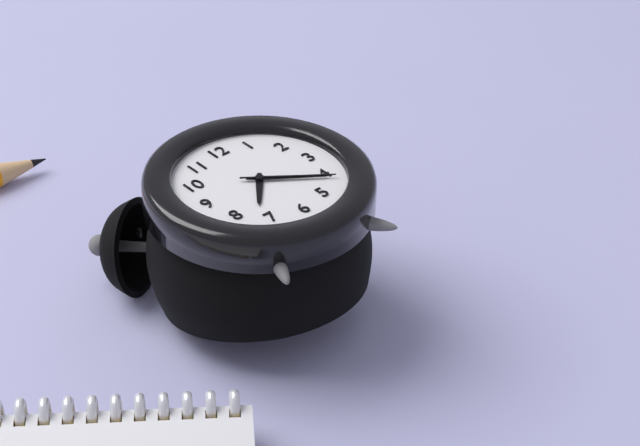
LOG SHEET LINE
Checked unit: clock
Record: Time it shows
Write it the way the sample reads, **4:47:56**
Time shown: **7:21:21**
